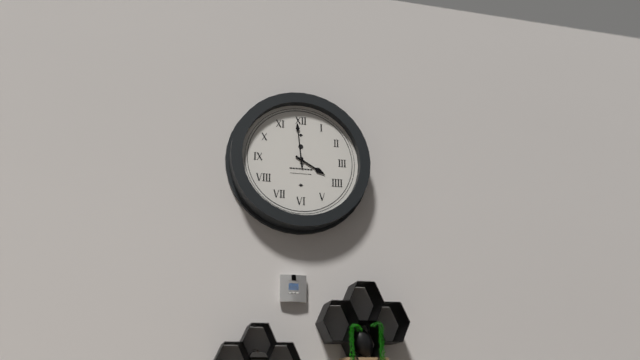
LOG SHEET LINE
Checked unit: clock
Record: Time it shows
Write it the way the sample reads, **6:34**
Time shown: **3:59**
